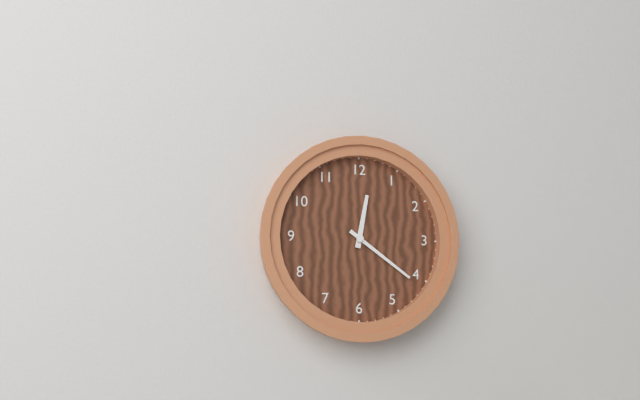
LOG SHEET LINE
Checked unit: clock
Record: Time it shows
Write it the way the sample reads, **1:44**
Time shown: **12:21**
